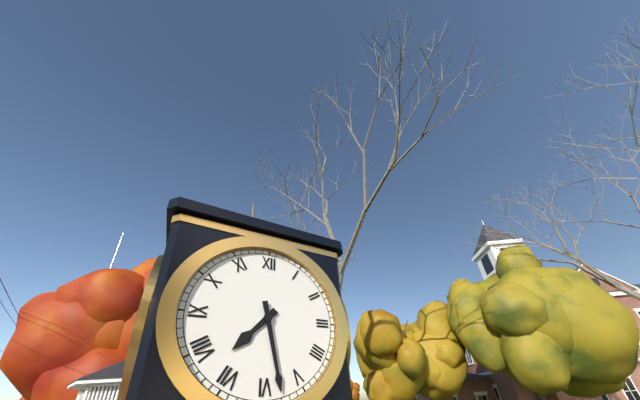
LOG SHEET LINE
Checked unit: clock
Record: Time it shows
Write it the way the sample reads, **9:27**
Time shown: **7:28**
